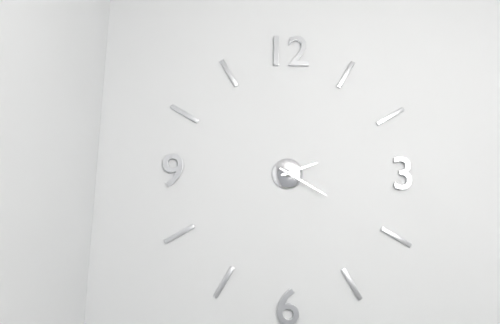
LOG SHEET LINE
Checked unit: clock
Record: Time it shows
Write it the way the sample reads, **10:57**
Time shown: **2:20**
